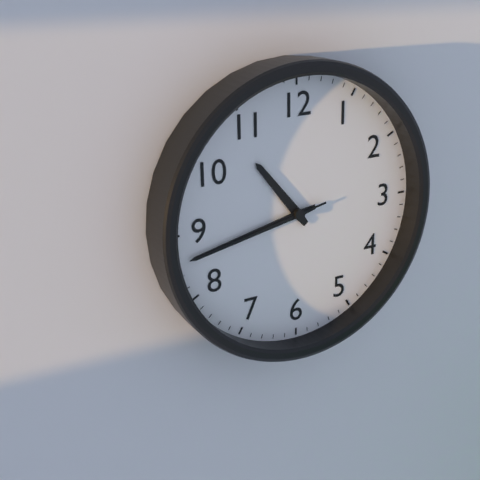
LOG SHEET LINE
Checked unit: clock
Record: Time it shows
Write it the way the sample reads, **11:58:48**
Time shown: **10:43:43**
